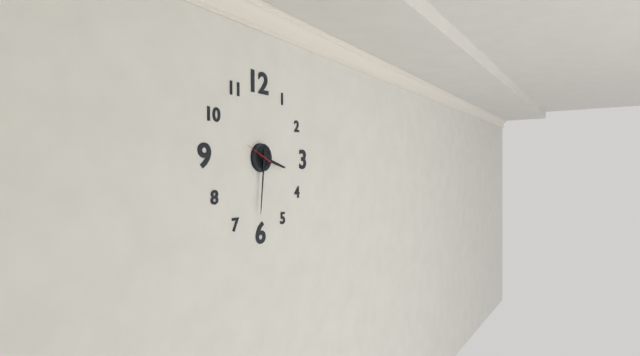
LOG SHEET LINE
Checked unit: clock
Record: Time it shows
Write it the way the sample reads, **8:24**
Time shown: **3:31**
